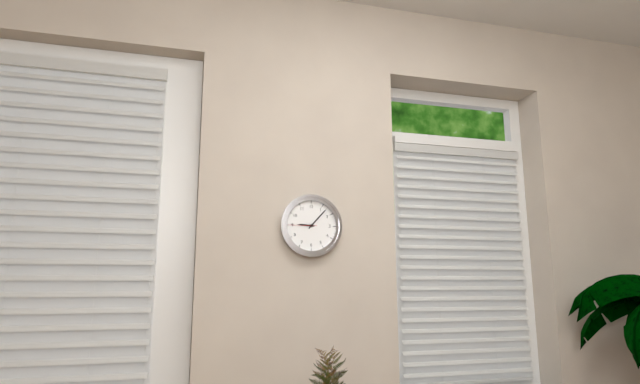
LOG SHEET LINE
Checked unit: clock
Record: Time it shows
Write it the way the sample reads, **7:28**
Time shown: **9:07**
